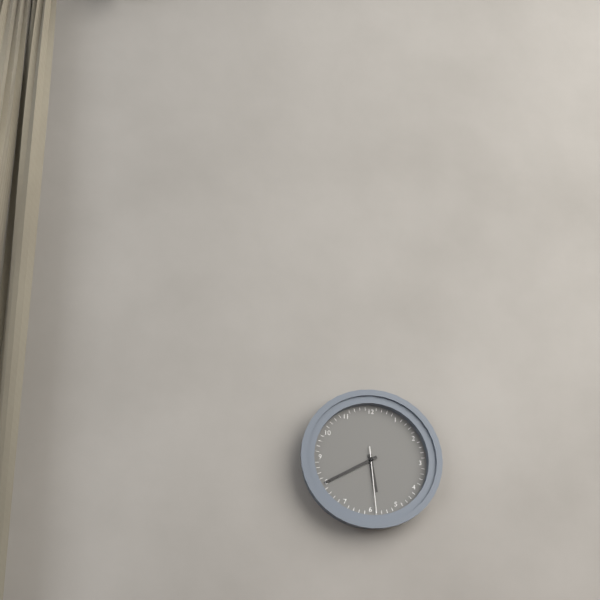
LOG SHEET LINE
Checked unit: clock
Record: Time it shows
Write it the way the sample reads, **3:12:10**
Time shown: **5:40:29**
